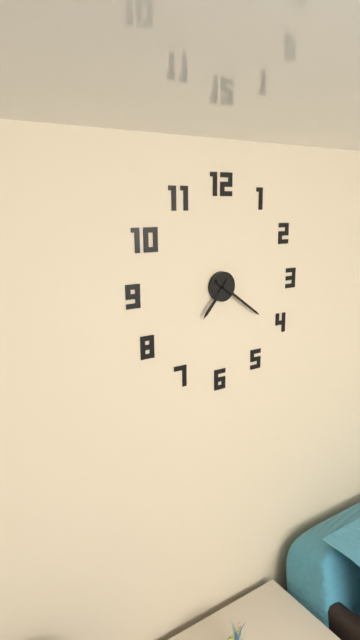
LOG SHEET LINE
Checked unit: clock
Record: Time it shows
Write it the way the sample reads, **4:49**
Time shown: **7:21**
